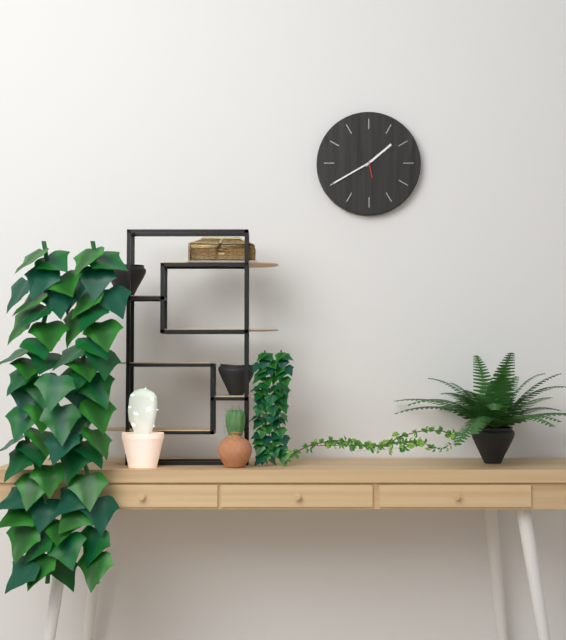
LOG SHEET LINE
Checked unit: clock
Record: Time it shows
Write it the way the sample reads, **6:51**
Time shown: **1:40**
